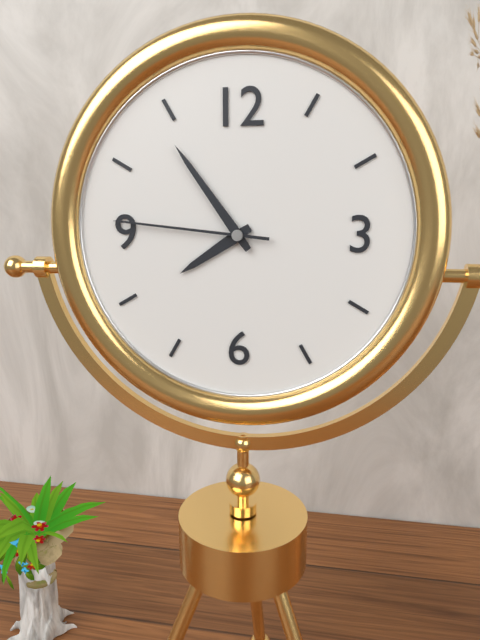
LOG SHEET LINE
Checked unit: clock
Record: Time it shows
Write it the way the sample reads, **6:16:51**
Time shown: **7:54:46**
